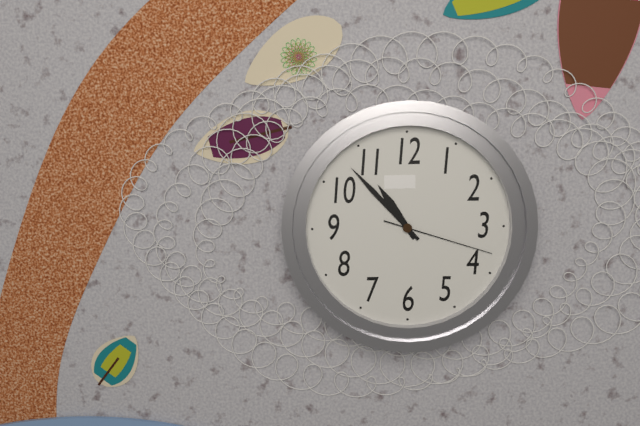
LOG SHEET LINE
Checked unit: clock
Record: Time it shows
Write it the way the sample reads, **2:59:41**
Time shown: **10:53:18**
